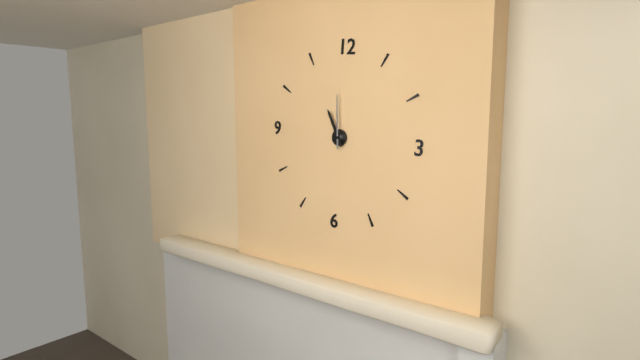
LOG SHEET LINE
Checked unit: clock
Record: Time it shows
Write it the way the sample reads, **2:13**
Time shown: **10:59**
